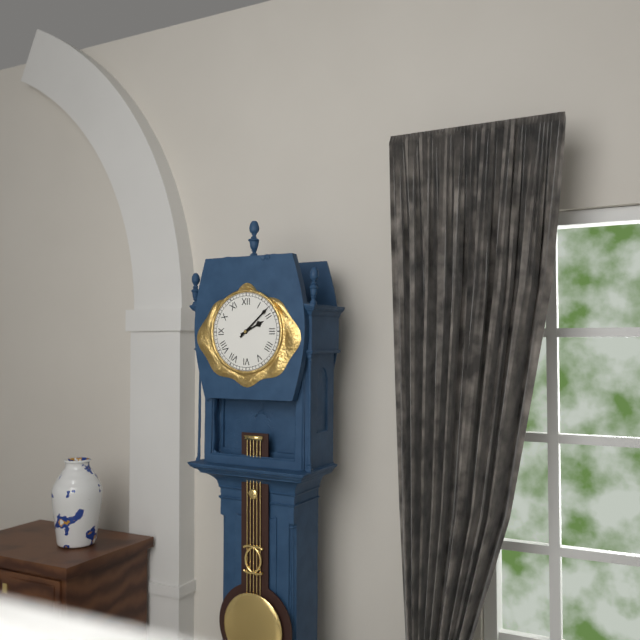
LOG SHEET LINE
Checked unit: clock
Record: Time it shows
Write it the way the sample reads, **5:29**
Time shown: **2:08**
